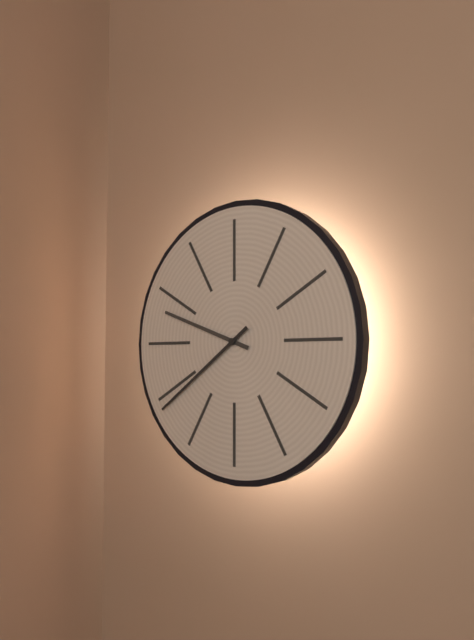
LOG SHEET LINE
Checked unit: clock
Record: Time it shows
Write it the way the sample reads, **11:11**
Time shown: **9:39**
